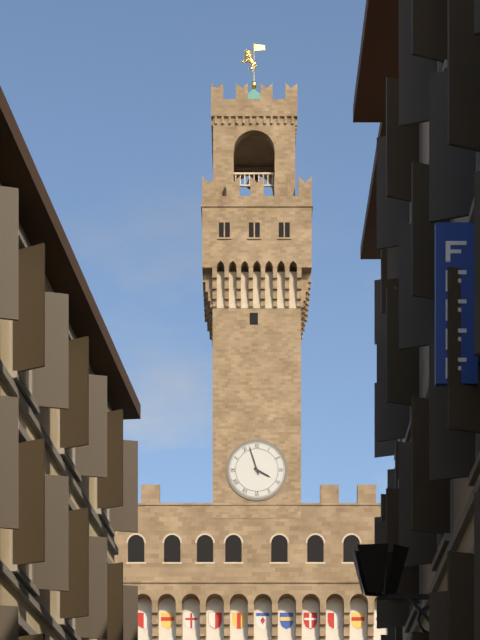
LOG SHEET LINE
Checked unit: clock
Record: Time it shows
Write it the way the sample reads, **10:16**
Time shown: **3:57**
